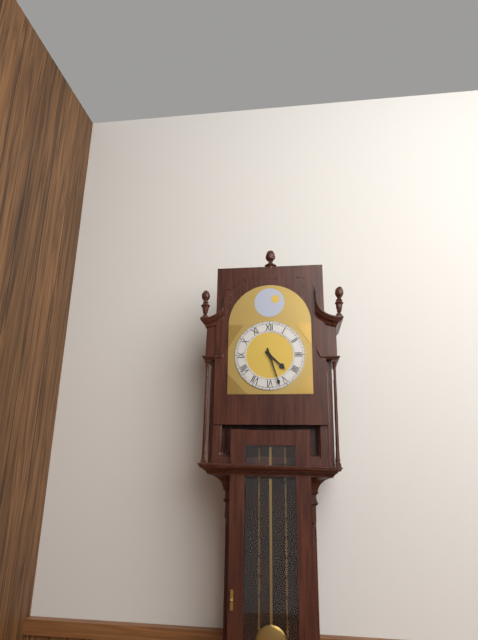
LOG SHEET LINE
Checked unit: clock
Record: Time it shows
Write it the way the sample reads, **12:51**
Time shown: **4:27**
